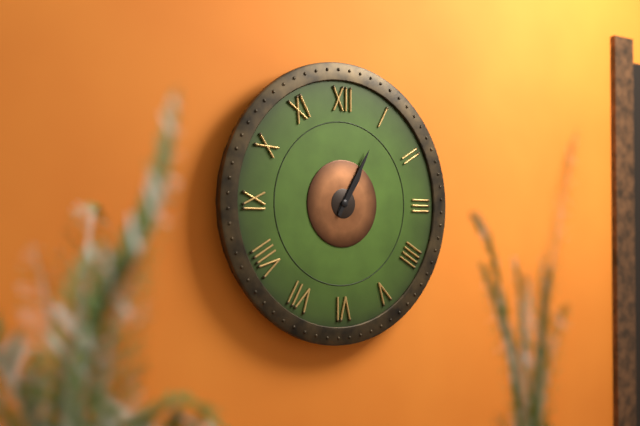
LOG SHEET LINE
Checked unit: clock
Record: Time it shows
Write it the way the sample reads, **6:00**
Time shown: **1:05**
